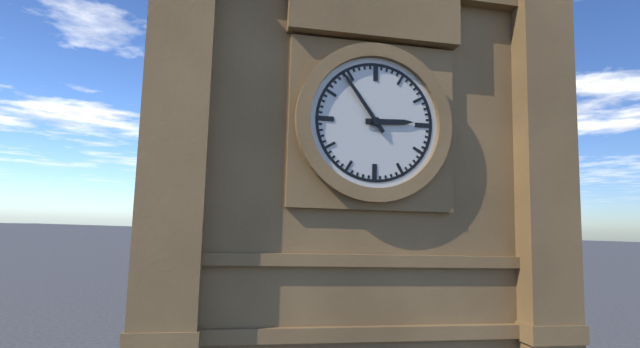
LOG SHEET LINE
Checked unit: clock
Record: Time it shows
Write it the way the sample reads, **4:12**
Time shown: **2:54**
